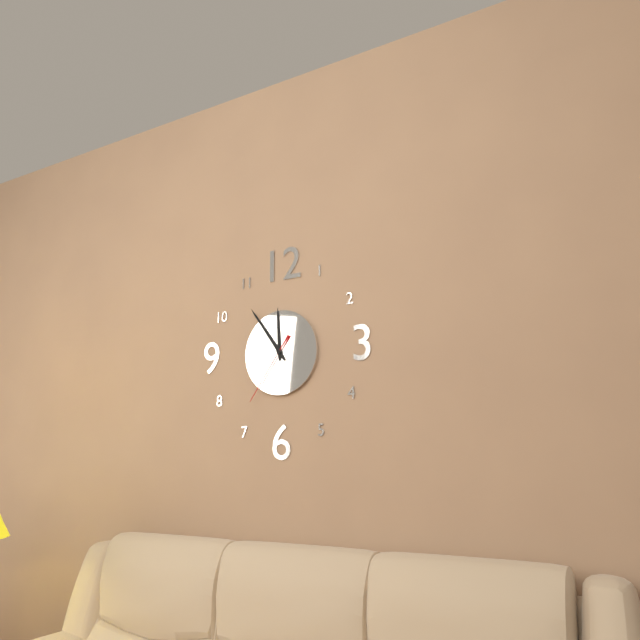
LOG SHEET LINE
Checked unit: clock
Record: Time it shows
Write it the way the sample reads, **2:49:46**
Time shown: **11:54:36**
